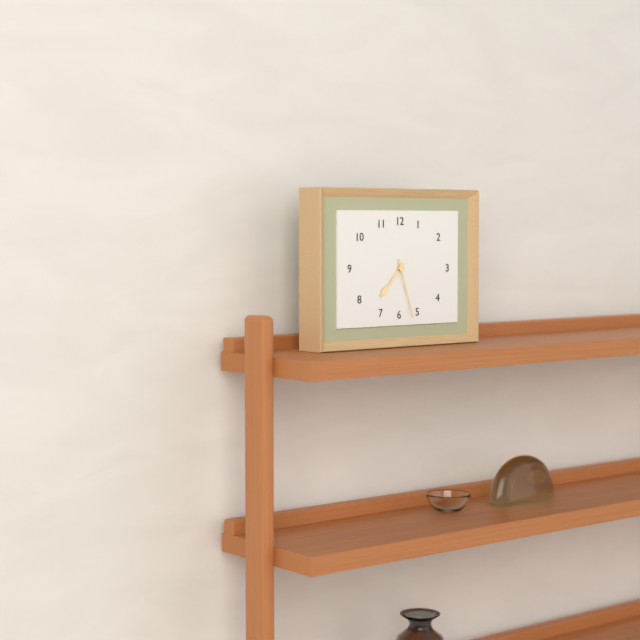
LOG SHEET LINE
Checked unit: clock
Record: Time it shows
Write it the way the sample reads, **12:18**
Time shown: **7:27**
